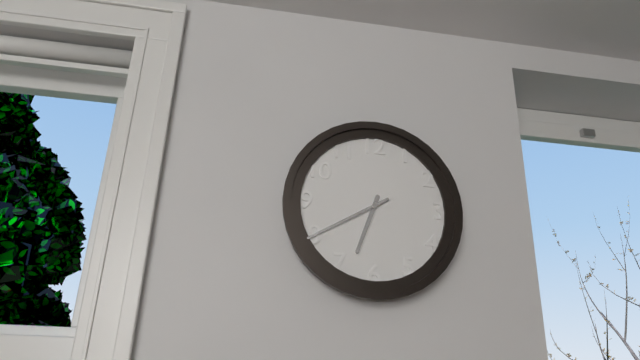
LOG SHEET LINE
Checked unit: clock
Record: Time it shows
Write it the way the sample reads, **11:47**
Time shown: **6:40**
